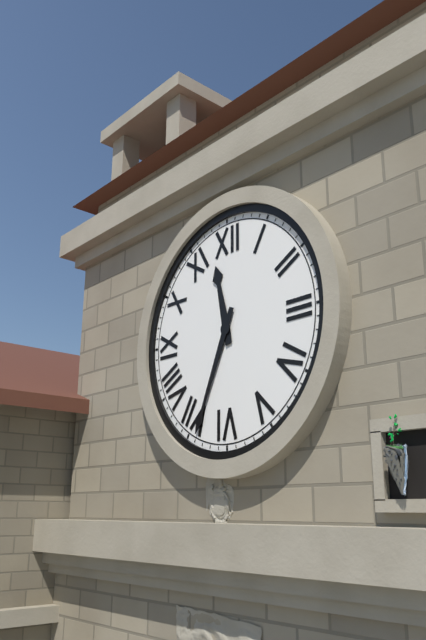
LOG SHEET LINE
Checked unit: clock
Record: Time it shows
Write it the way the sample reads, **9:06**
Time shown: **11:34**
